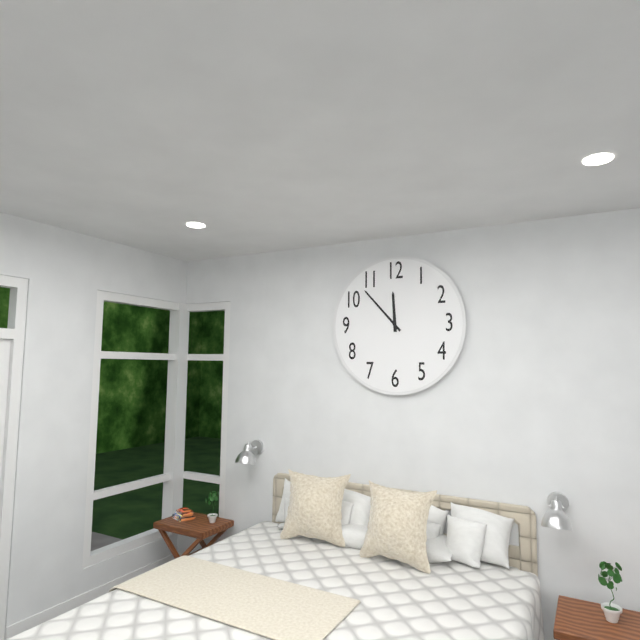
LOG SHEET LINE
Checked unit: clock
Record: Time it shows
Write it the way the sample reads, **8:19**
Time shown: **11:53**
